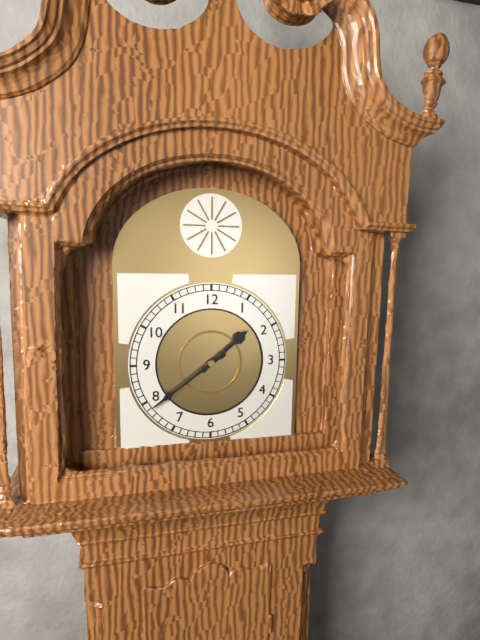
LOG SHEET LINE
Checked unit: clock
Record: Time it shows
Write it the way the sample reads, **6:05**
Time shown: **1:39**
